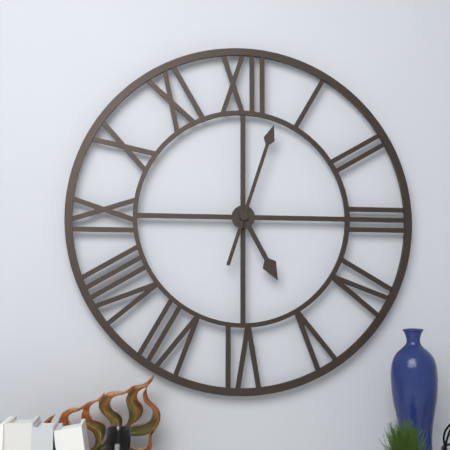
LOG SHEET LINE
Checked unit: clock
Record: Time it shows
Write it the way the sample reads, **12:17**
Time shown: **5:03**
